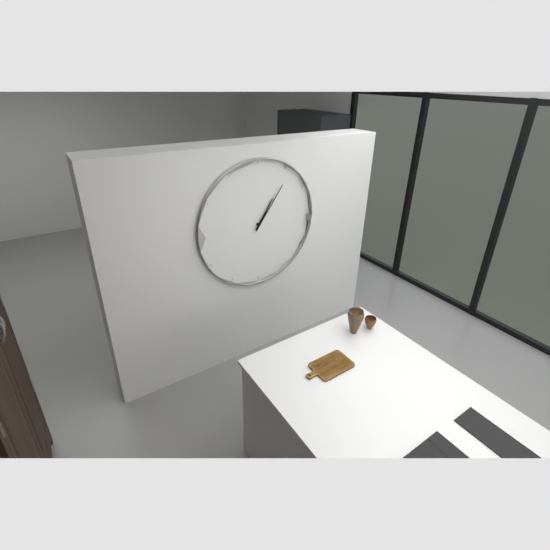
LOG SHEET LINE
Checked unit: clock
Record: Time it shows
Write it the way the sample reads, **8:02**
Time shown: **1:06**
